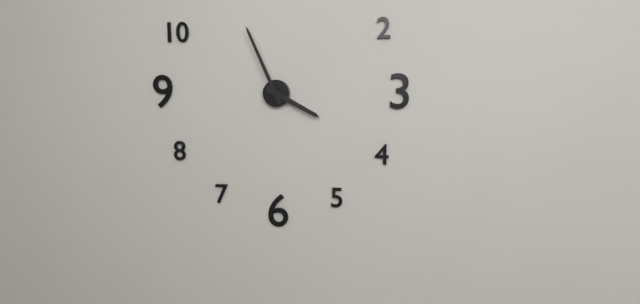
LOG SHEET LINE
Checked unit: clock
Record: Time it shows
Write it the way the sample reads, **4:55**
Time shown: **3:56**
